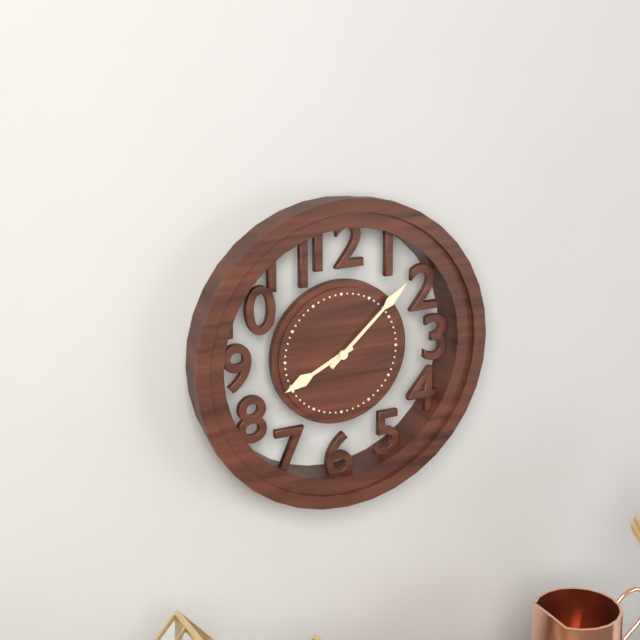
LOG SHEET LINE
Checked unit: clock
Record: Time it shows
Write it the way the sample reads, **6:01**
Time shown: **8:08**
